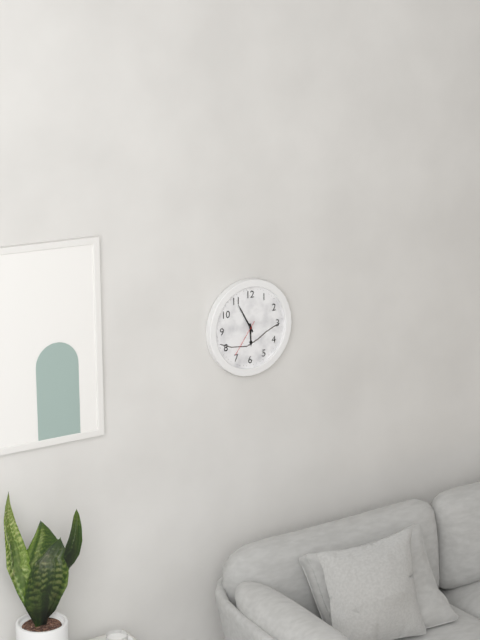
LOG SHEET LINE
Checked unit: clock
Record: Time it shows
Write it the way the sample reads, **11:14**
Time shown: **5:55**
